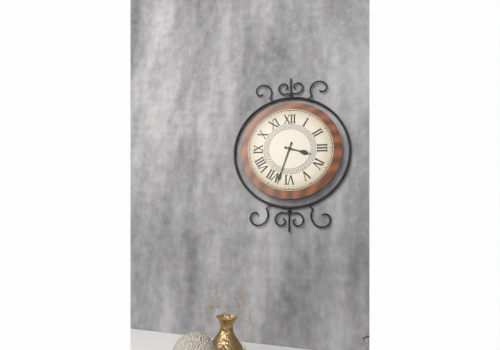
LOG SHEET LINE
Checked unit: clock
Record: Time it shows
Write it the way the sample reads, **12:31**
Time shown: **3:33**
